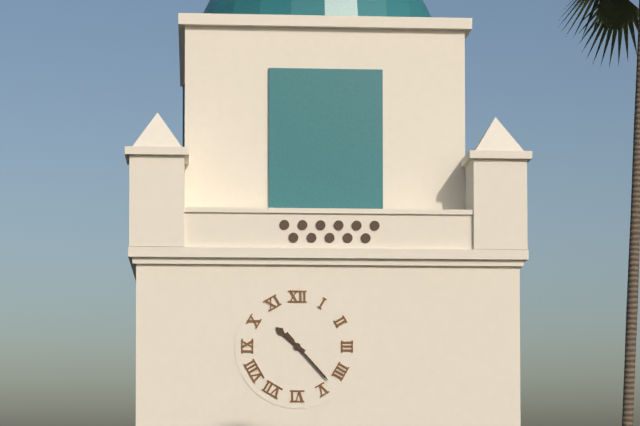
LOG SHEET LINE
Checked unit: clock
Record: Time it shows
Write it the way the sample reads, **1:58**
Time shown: **10:23**
